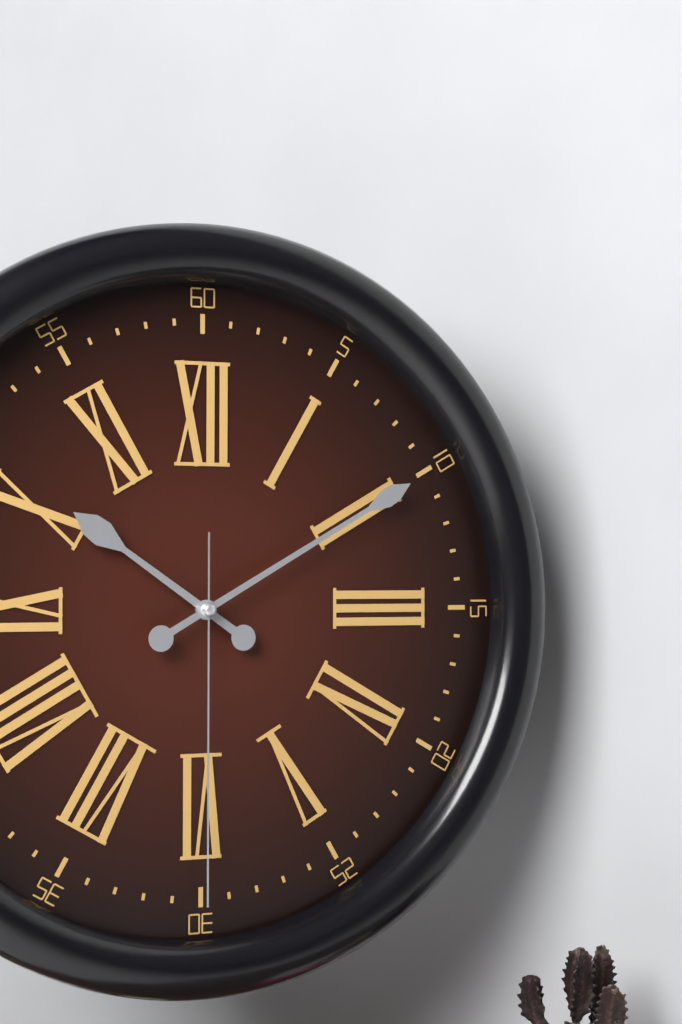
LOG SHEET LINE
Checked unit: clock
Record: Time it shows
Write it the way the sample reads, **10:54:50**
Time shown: **10:10:30**
